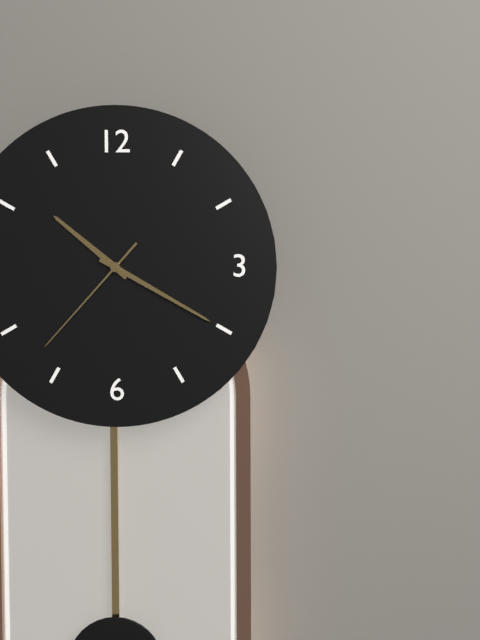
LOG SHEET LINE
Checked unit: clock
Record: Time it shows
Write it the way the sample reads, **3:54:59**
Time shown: **10:20:37**
